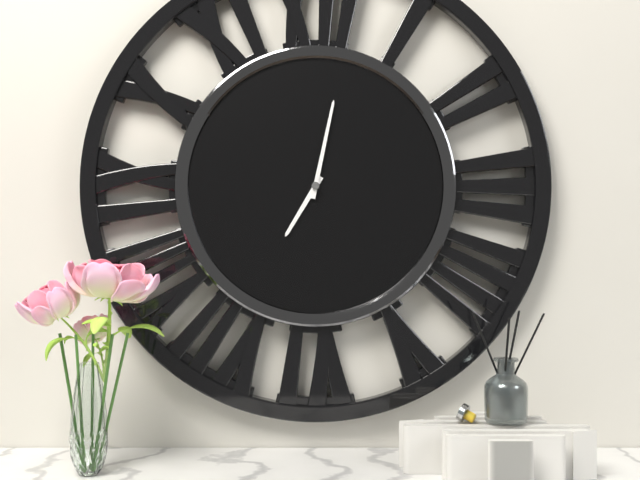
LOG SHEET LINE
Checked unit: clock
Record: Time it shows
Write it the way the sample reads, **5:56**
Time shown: **7:02**
